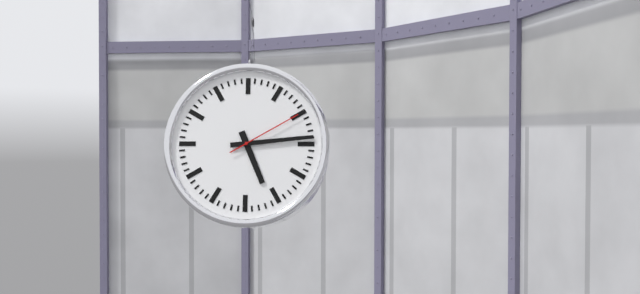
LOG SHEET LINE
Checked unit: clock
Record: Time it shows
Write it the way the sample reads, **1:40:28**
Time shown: **5:14:10**
